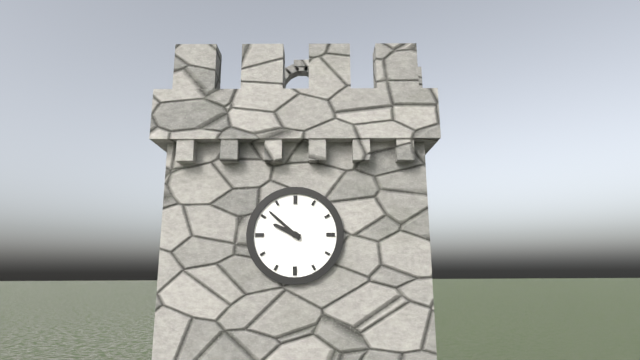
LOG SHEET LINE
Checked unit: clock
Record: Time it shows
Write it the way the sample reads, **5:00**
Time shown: **9:52**
